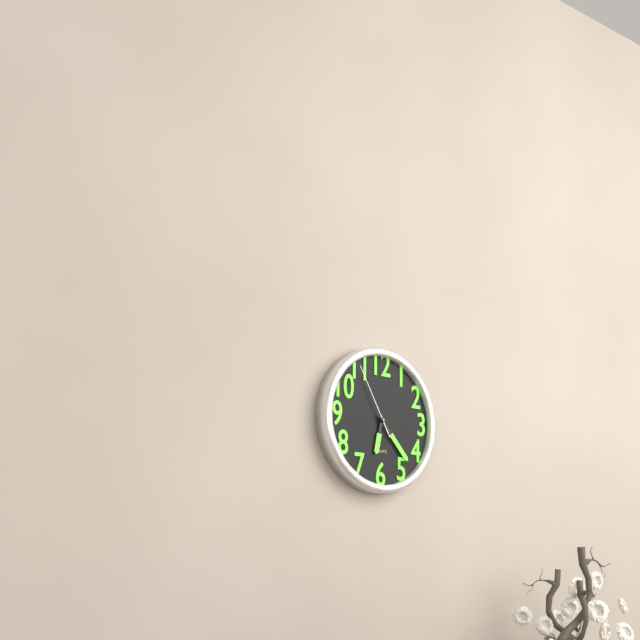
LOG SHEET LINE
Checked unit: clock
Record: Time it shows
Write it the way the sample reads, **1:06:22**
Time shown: **6:23:55**
